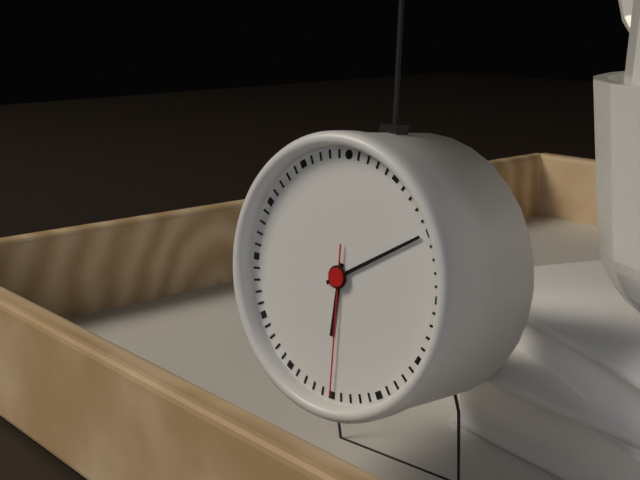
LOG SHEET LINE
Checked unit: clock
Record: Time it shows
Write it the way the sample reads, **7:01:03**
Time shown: **6:10:30**
